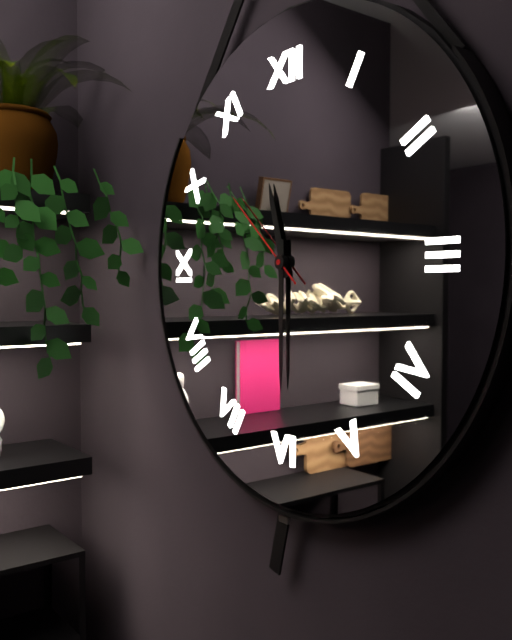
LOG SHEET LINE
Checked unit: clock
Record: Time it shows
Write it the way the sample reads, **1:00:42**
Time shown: **11:30:52**
